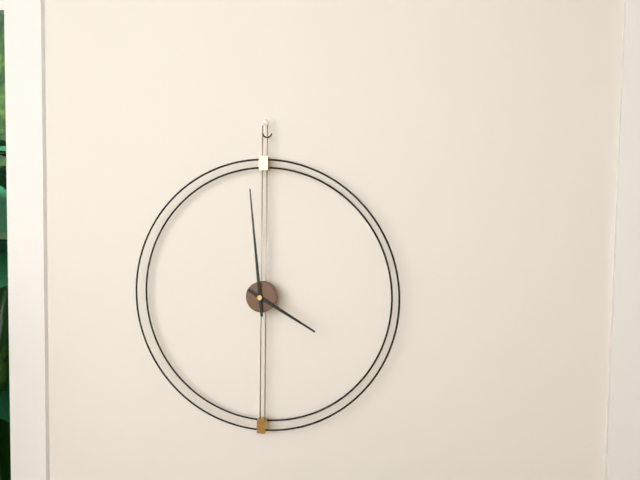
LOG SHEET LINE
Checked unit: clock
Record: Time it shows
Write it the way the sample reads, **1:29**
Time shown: **3:59**
